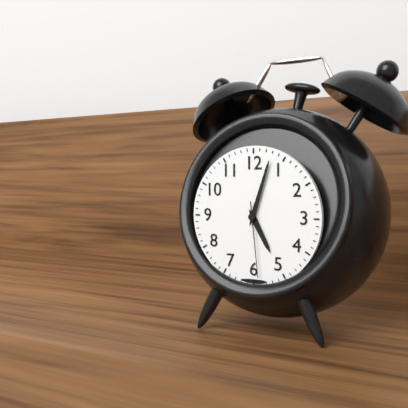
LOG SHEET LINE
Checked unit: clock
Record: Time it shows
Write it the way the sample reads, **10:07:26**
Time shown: **5:03:29**
